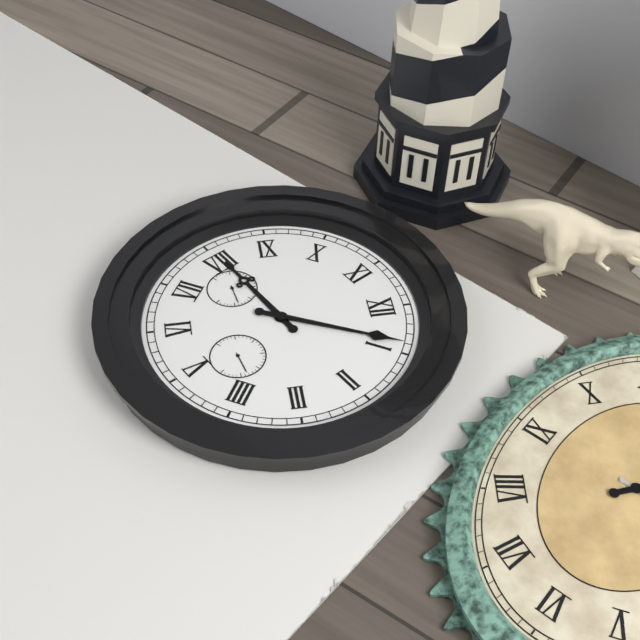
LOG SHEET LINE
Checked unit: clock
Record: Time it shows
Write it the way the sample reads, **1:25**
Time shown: **8:04**
